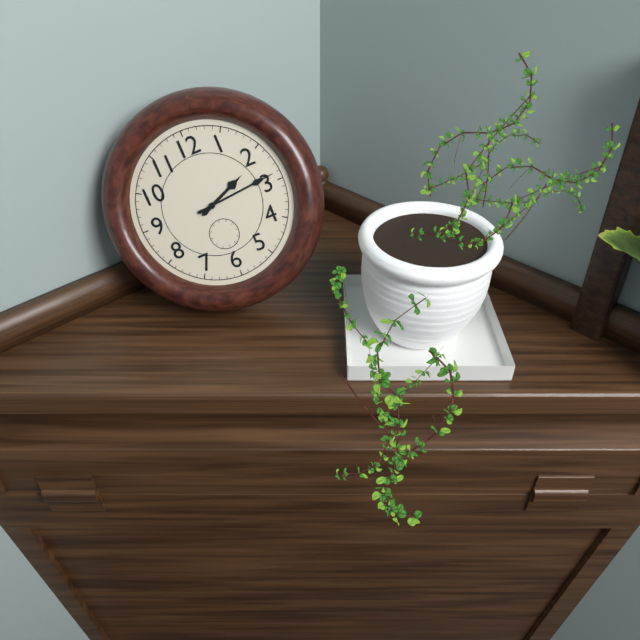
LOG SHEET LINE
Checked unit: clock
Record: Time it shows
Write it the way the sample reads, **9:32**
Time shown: **2:14**
